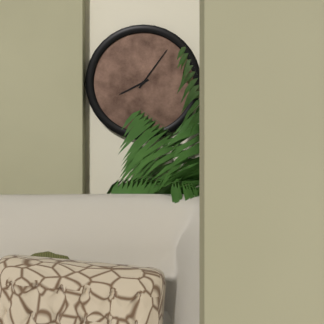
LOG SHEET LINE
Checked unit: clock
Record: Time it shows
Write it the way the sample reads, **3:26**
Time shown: **8:06**
